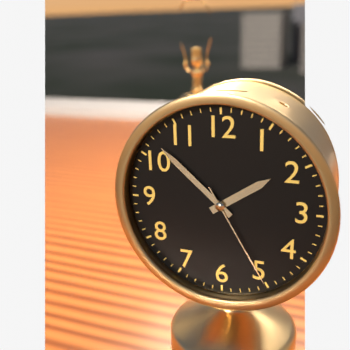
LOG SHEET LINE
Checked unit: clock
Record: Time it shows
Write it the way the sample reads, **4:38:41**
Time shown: **1:52:25**
